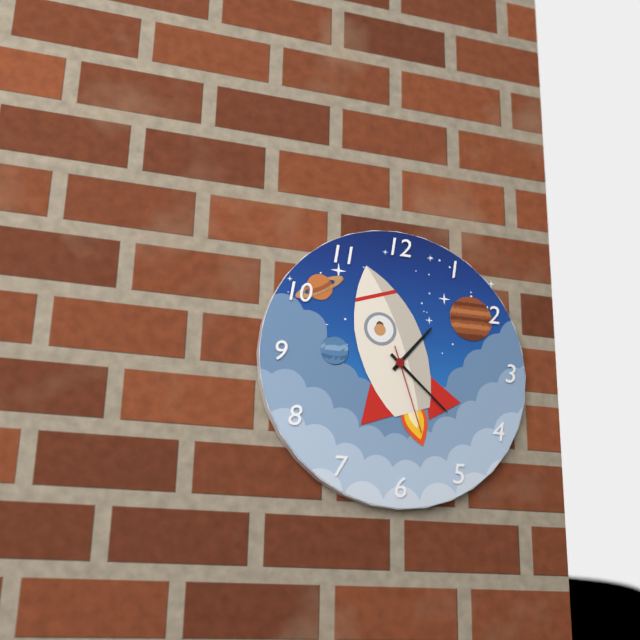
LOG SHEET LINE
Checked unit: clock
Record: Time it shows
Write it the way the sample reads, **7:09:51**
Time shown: **1:22:27**
